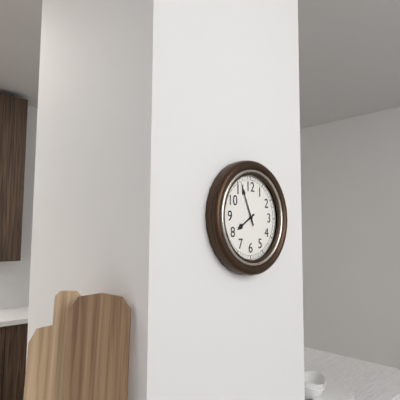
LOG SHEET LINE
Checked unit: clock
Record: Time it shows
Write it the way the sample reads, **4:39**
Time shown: **7:56**
